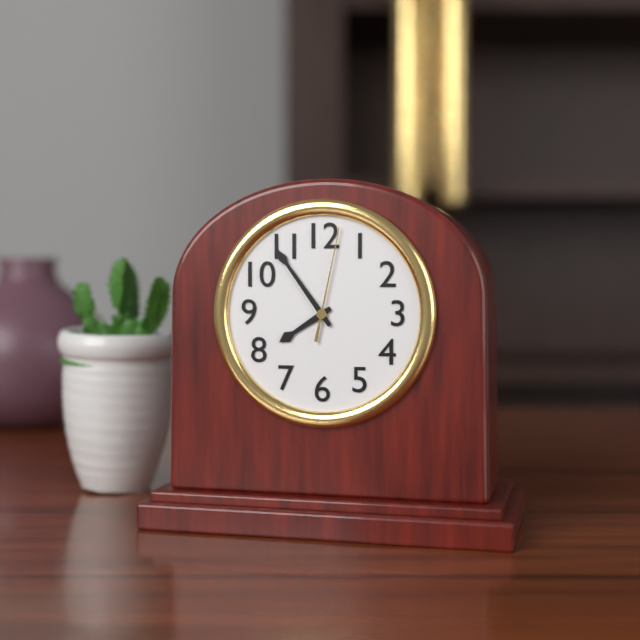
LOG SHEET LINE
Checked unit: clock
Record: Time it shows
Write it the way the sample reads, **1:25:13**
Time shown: **7:54:02**
